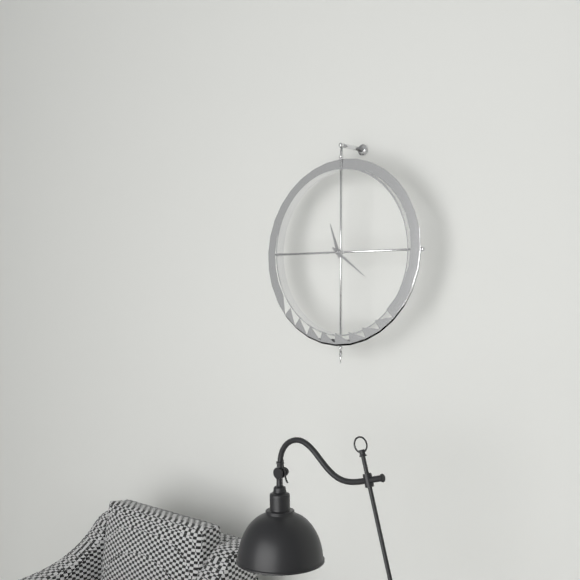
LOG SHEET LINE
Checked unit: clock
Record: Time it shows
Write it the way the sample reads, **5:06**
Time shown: **11:21**
